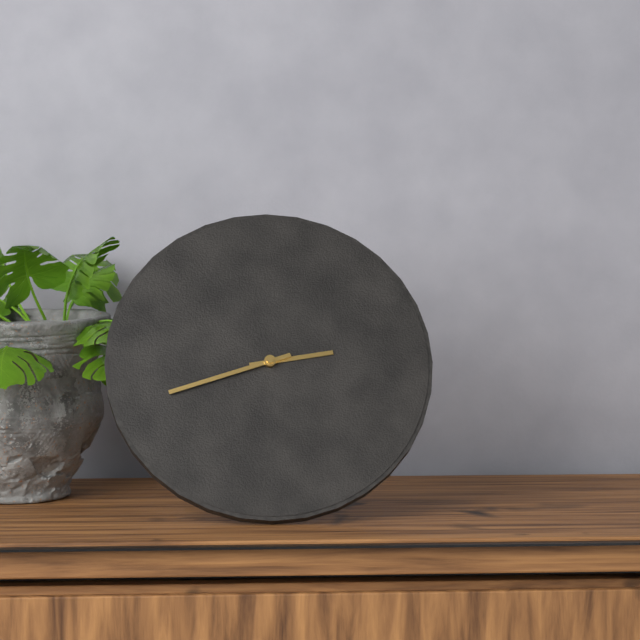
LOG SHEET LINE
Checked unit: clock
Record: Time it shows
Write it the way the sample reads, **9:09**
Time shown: **2:42**
